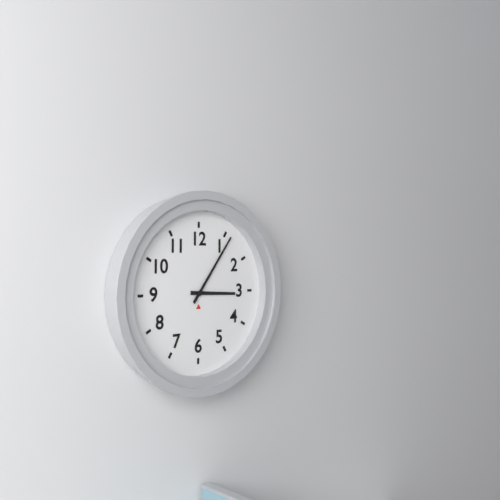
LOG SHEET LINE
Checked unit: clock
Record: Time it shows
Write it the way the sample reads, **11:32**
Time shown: **3:06**
